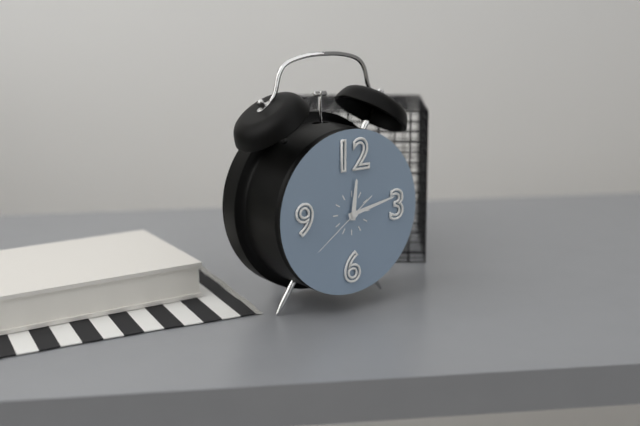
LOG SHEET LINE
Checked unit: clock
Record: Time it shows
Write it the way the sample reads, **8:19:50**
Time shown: **12:13:39**
